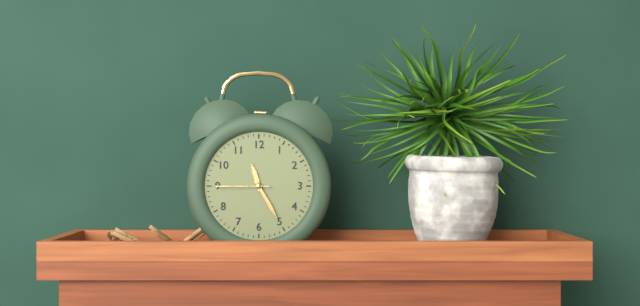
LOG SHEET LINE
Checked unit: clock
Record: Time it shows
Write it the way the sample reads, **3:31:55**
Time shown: **11:25:45**
